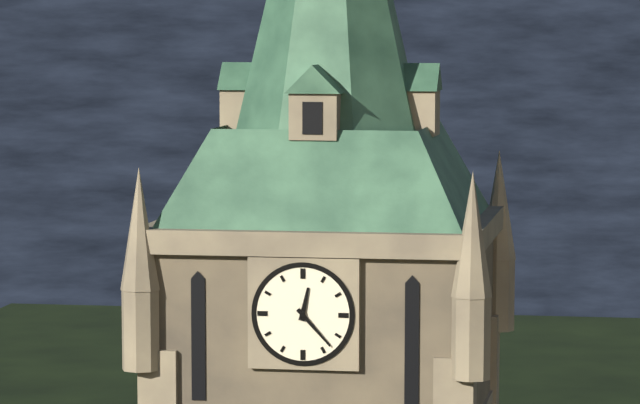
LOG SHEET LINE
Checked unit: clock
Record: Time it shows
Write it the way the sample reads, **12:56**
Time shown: **12:23**
